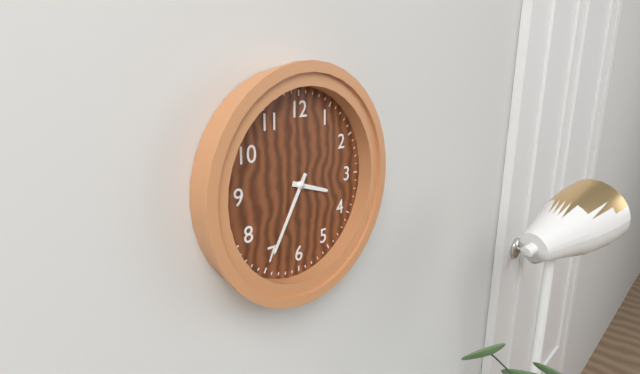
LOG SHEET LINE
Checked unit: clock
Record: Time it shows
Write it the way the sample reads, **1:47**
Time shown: **3:35**
